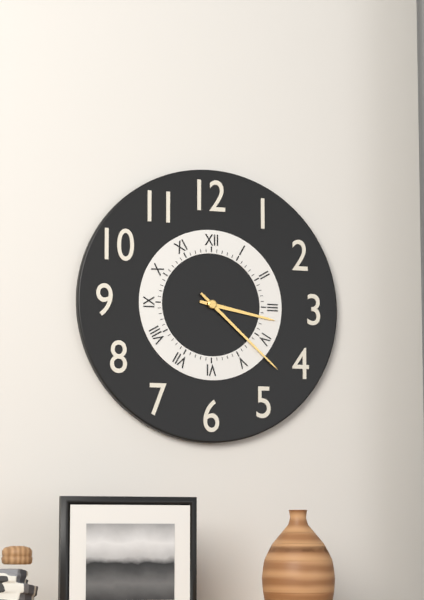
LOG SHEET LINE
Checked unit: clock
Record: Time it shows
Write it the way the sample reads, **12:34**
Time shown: **3:22**
